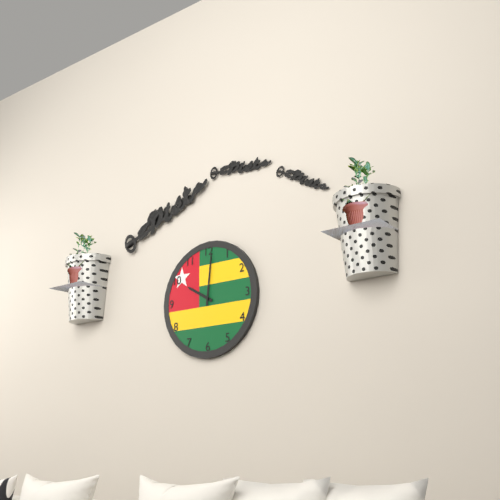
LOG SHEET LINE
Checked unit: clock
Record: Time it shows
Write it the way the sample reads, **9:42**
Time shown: **10:01**
